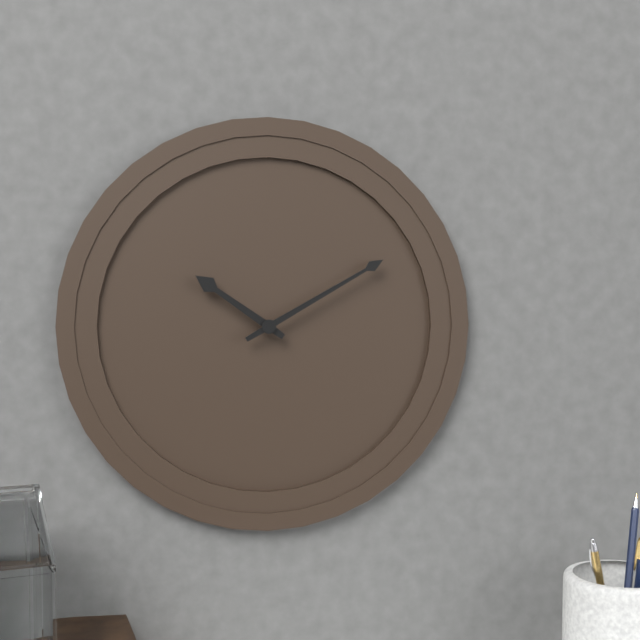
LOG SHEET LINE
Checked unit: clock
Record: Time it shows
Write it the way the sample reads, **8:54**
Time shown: **10:10**
